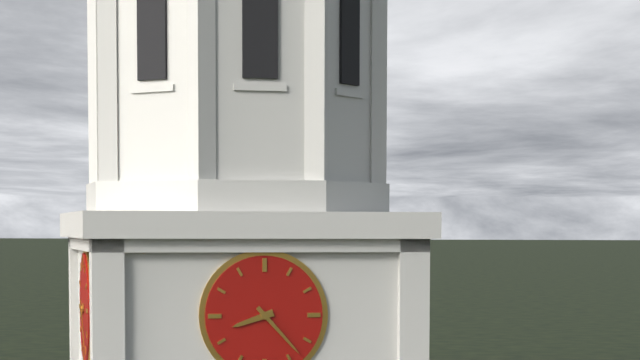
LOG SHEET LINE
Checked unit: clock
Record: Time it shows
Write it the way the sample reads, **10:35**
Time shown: **8:23**
